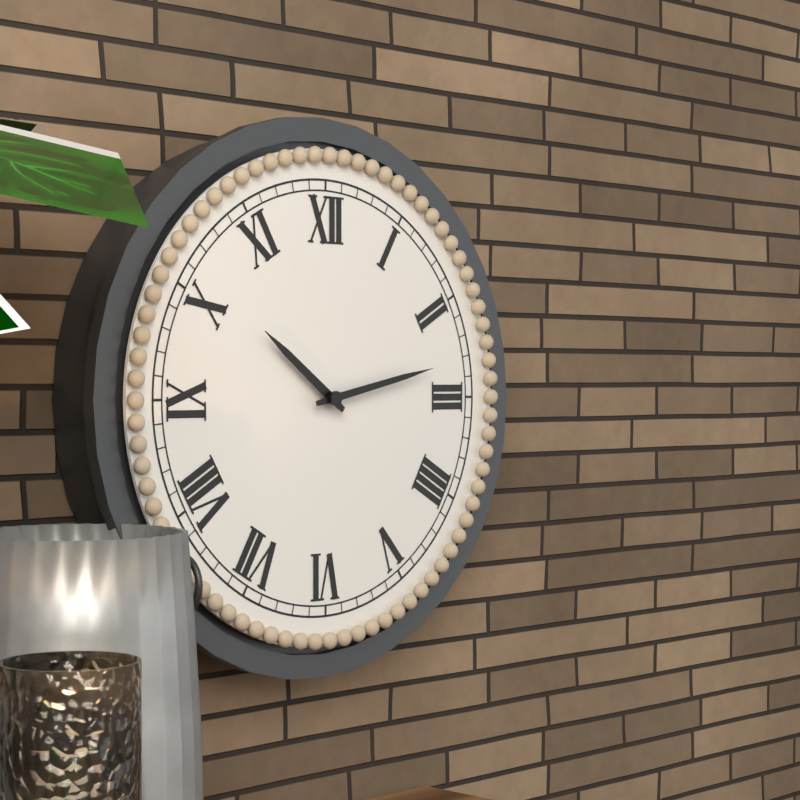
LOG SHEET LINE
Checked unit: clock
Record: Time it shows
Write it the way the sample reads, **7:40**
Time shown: **10:13**
